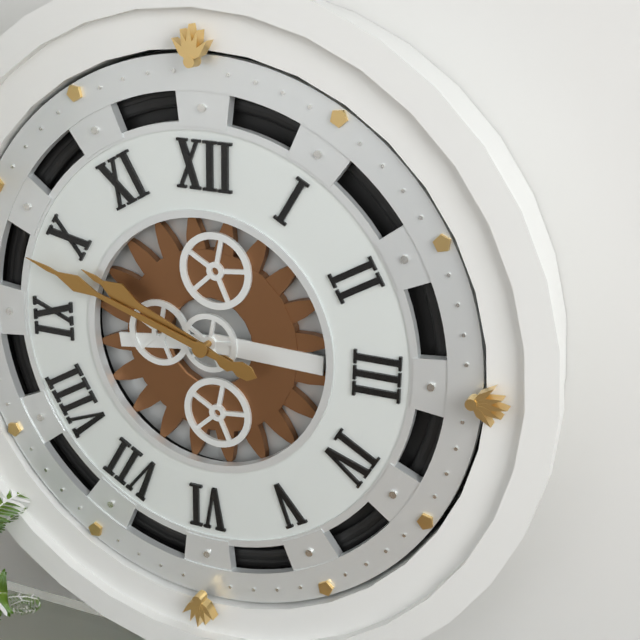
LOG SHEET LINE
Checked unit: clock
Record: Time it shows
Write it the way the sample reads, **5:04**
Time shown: **9:48**
